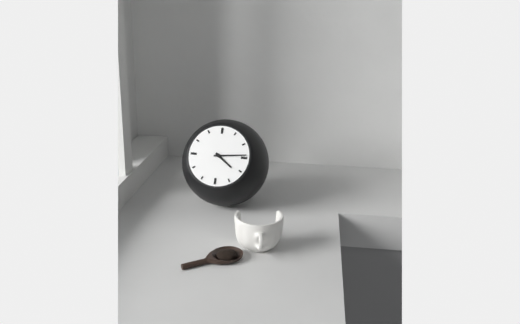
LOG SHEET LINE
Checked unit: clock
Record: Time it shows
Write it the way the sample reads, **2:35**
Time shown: **4:14**
